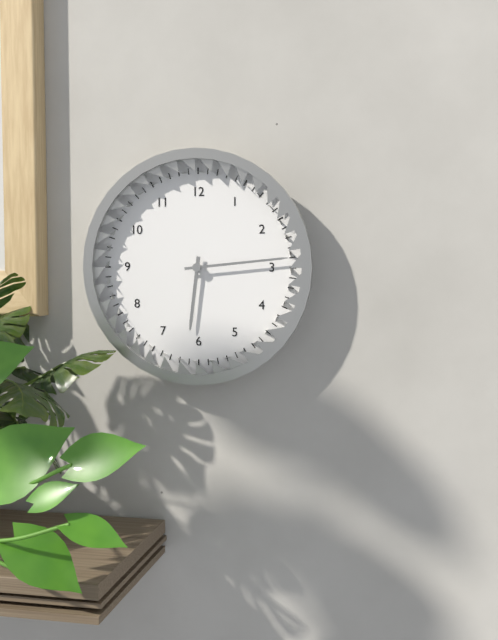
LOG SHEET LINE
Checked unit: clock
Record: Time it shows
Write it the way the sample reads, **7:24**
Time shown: **6:14**
